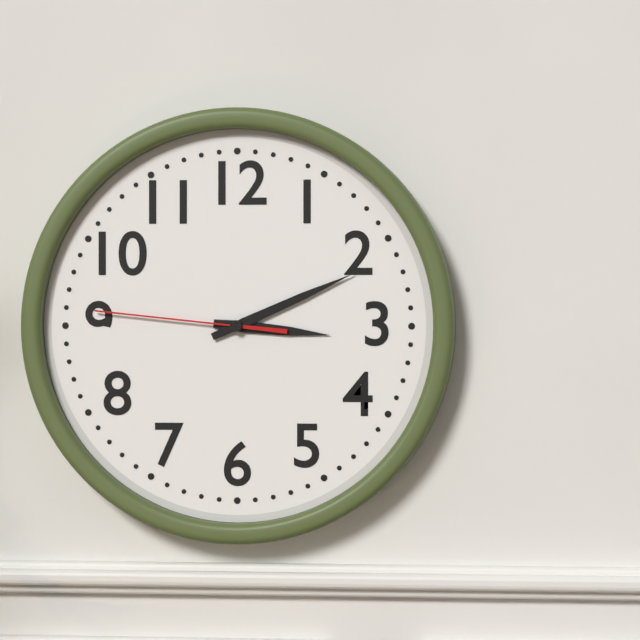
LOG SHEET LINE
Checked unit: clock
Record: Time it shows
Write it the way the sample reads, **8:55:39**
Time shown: **3:11:46**
